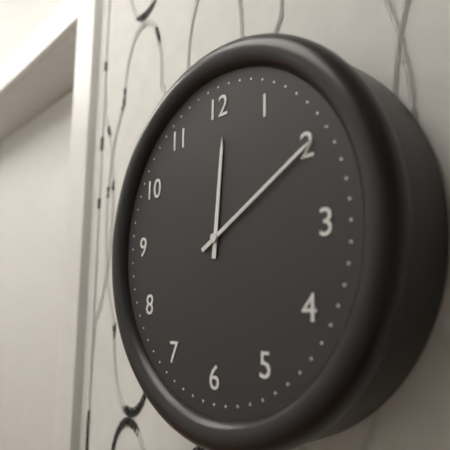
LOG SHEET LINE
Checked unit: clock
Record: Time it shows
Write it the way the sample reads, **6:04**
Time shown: **12:10**
